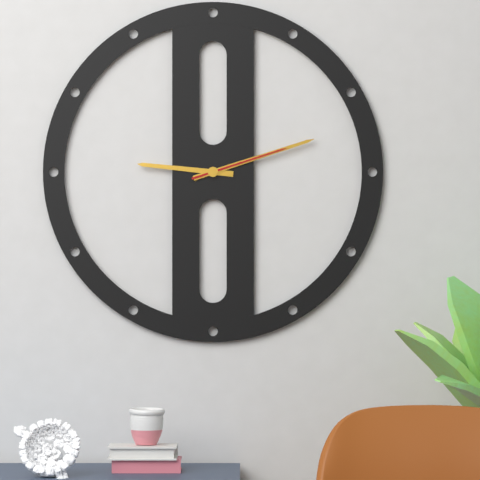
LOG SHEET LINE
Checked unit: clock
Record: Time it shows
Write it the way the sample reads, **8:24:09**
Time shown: **9:12:12**
